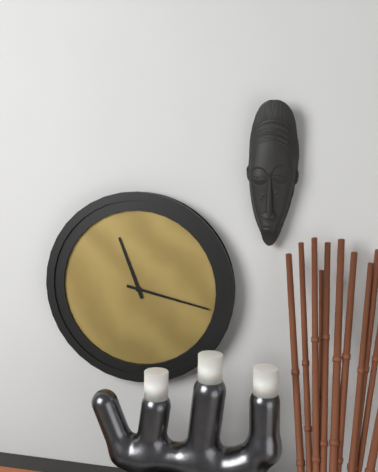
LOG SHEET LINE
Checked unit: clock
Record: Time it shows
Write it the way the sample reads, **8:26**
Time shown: **11:17**
